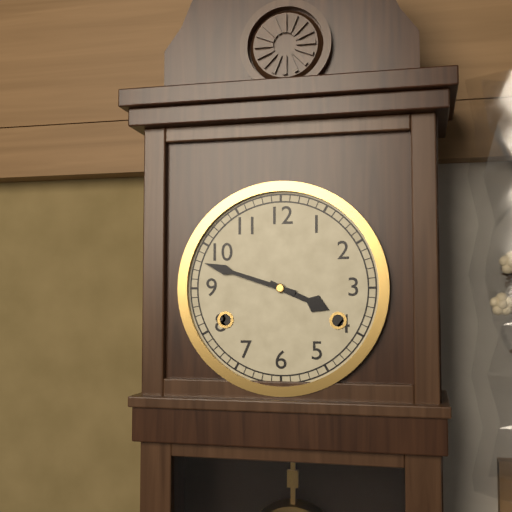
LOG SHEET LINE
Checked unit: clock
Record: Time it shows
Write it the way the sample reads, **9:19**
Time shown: **3:48**
